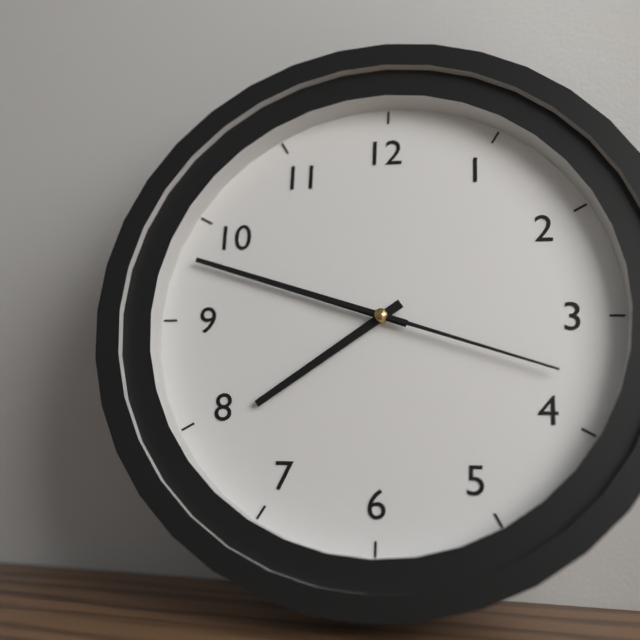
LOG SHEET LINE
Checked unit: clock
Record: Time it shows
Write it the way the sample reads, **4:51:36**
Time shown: **7:48:18**
